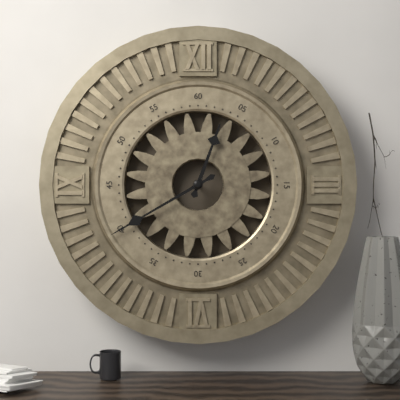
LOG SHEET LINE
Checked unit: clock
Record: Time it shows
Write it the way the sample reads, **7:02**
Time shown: **12:40**
